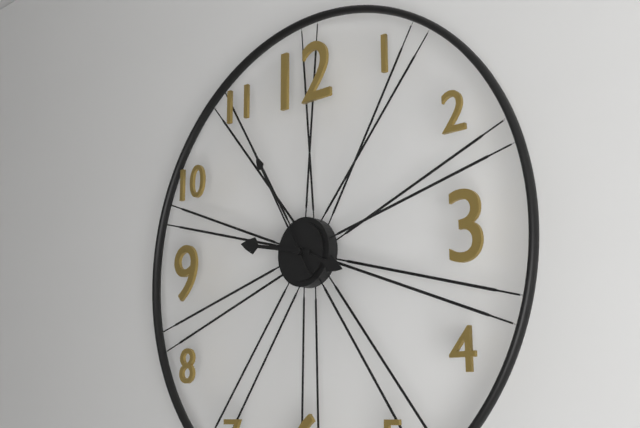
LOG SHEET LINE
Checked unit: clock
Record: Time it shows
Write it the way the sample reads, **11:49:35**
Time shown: **3:47:55**
